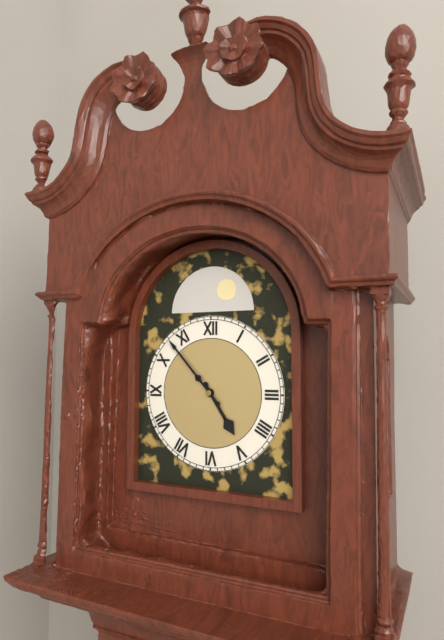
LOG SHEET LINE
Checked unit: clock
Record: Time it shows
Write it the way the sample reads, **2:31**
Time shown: **4:53**
